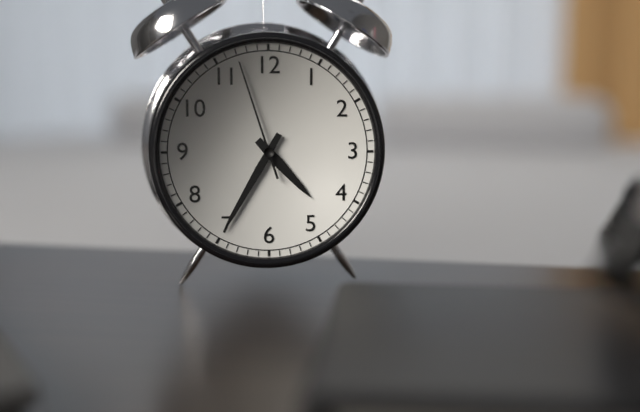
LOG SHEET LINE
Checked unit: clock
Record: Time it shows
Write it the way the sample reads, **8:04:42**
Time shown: **4:35:57**
